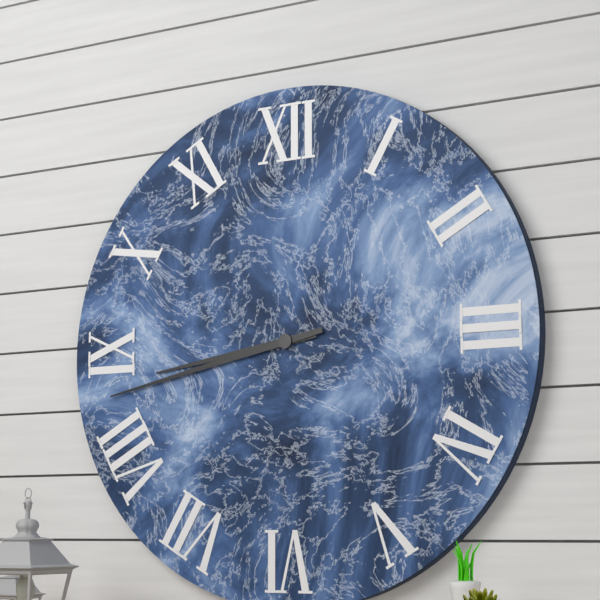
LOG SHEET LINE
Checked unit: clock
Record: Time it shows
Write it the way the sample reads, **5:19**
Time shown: **8:43**
